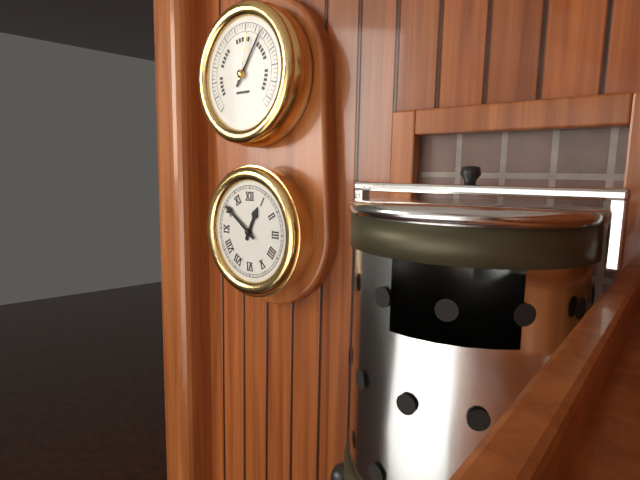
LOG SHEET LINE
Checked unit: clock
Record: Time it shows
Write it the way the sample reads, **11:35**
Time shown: **12:51**
